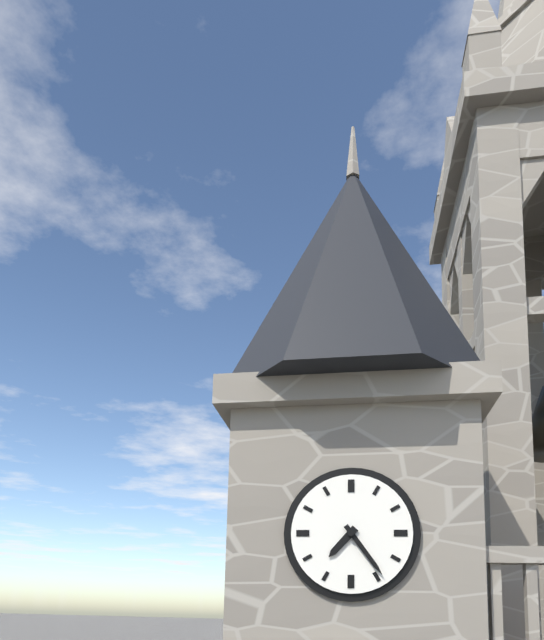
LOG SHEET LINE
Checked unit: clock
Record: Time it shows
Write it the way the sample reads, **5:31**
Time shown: **7:24**
